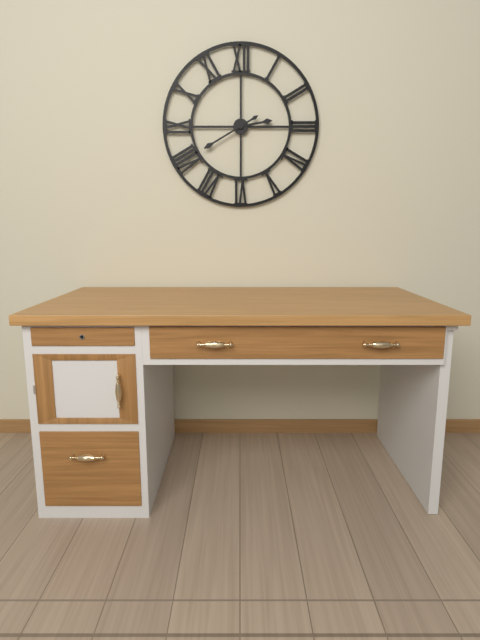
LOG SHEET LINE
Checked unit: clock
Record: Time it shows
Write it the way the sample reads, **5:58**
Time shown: **2:40**
